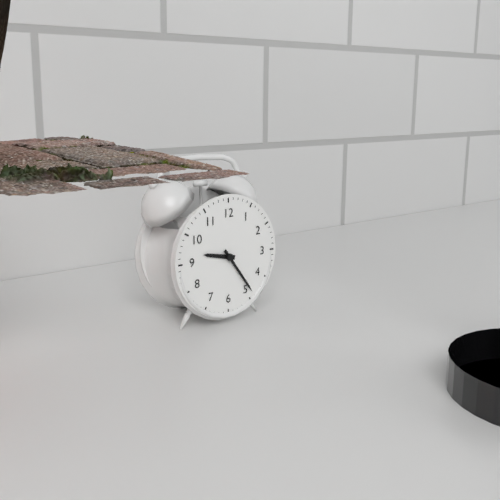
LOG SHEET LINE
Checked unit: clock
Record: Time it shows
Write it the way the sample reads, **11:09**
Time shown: **9:24**
